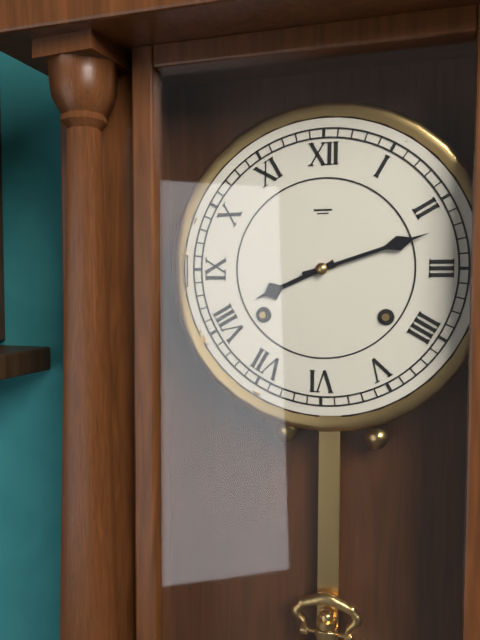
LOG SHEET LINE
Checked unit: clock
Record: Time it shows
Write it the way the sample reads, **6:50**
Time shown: **8:12**
